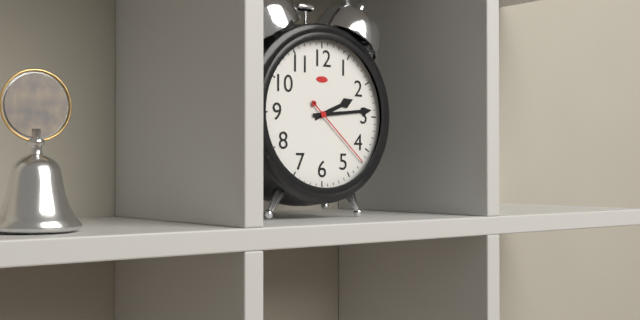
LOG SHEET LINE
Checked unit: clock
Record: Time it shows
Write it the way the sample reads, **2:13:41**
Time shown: **2:14:22**
